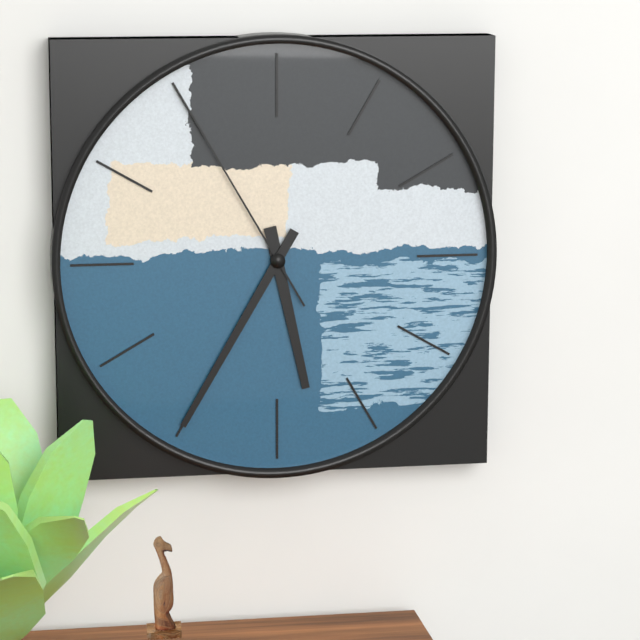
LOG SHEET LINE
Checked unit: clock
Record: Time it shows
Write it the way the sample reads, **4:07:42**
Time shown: **5:35:55**
